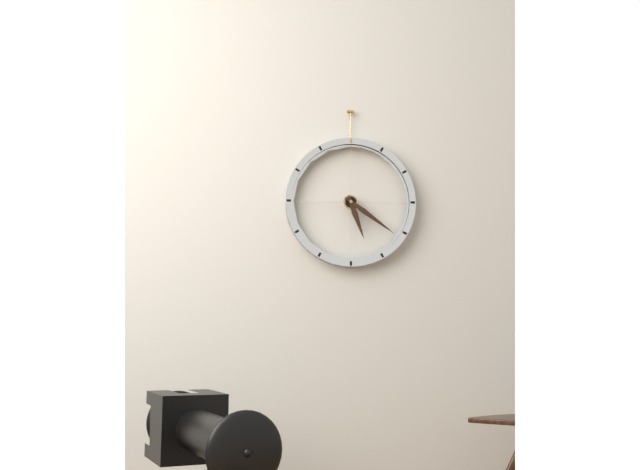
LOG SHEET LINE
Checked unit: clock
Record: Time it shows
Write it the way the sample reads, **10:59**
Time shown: **5:21**
